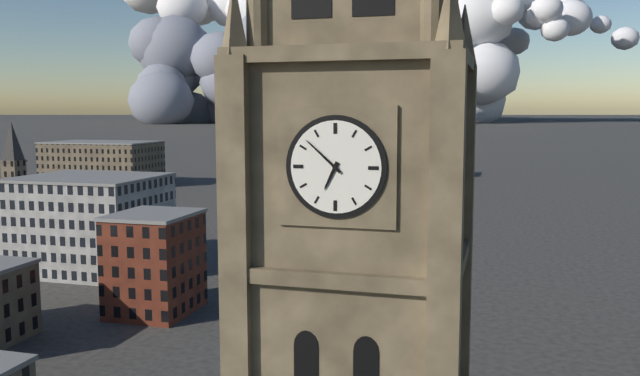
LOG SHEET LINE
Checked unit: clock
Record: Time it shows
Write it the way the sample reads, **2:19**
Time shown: **6:52**
